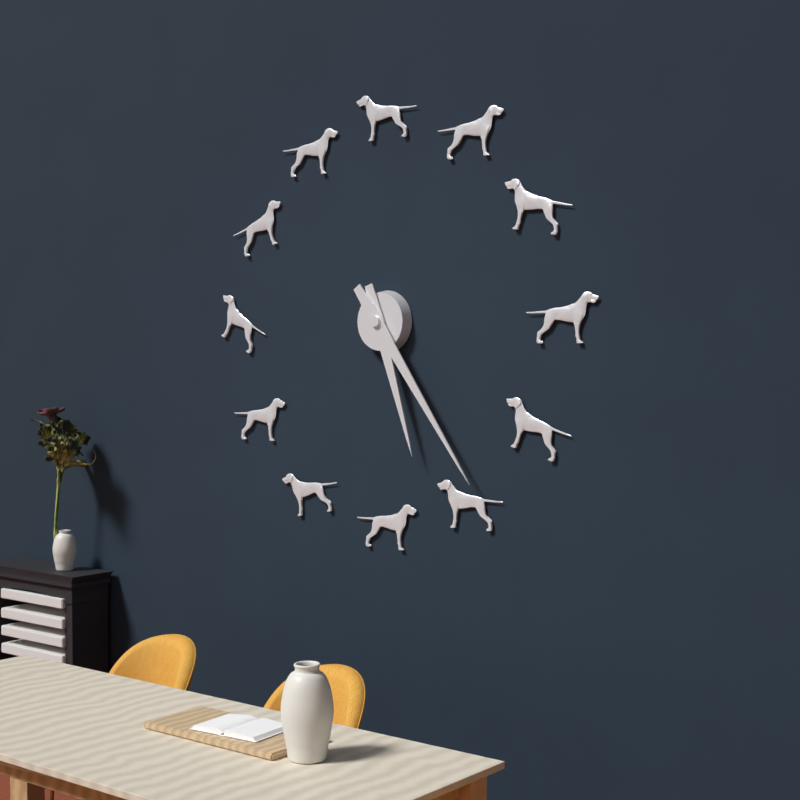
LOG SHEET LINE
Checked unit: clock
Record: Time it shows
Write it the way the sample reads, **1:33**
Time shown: **5:24**
